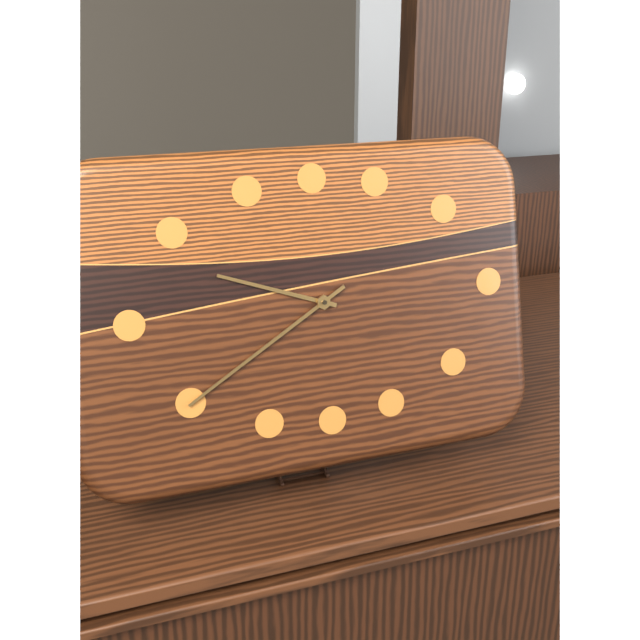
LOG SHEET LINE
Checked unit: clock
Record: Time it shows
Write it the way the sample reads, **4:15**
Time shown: **9:40**
